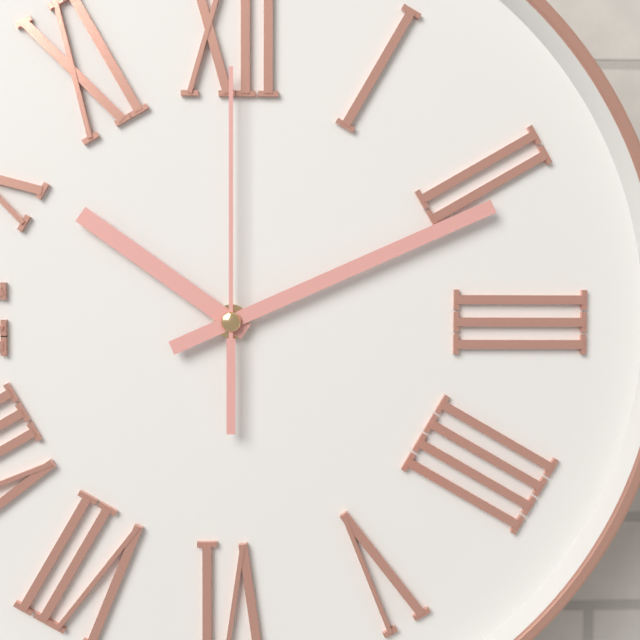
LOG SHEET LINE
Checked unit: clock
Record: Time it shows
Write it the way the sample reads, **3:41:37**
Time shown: **10:11:00**
